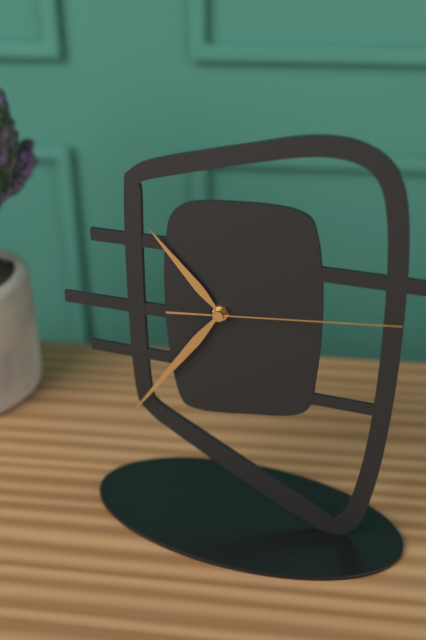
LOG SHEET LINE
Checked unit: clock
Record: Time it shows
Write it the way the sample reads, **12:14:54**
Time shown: **10:36:14**
